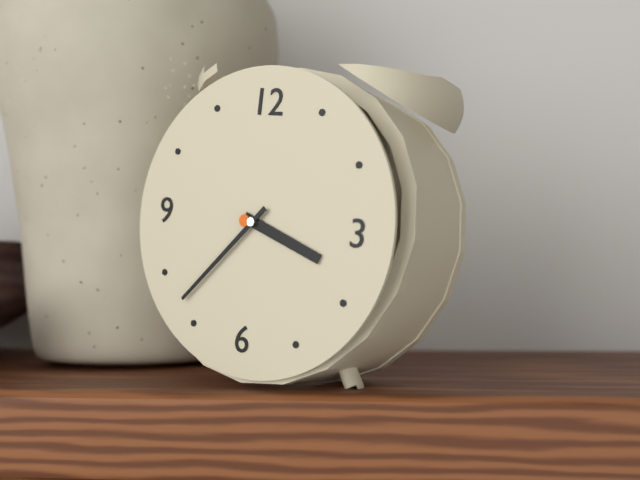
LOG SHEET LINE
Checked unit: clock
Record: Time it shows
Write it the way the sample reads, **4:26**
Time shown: **3:37**
